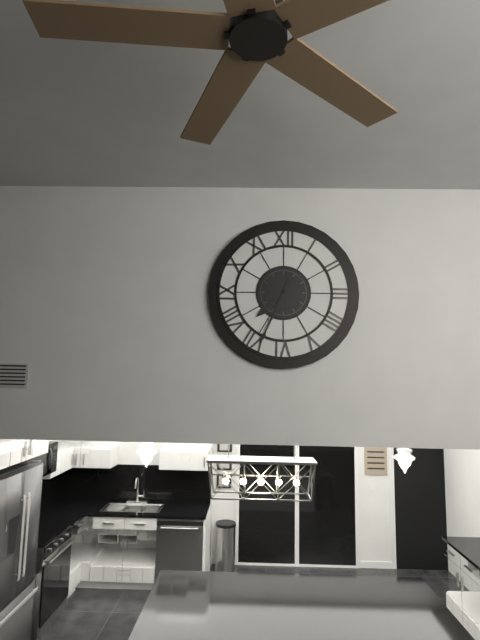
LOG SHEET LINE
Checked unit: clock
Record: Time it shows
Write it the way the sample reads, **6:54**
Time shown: **7:34**
